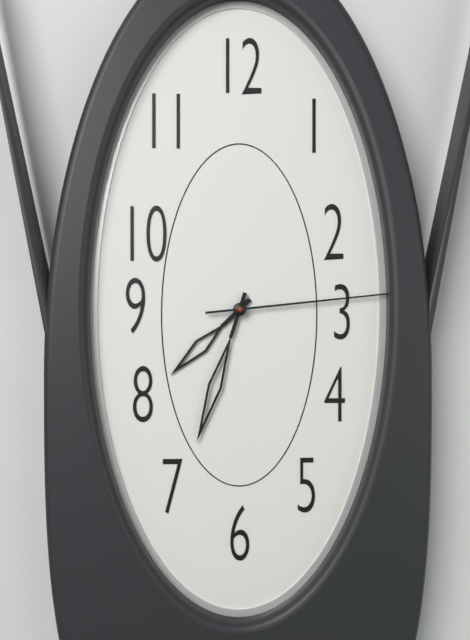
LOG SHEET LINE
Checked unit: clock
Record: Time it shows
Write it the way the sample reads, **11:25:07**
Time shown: **7:33:14**
